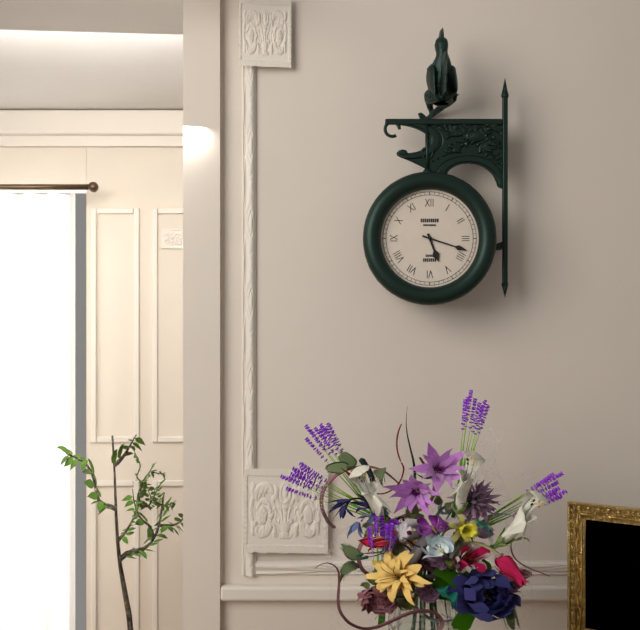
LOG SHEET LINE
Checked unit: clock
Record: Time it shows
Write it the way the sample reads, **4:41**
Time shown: **5:18**
